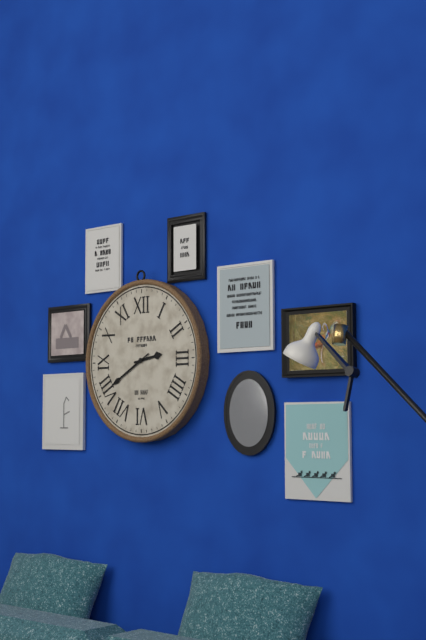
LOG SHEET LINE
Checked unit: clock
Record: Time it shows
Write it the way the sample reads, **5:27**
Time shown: **2:40**
